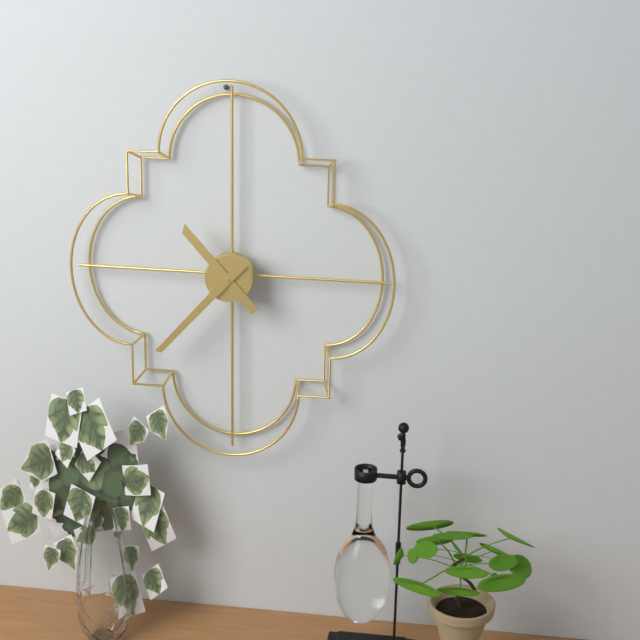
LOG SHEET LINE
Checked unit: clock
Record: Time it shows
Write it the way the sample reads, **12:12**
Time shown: **10:37**
